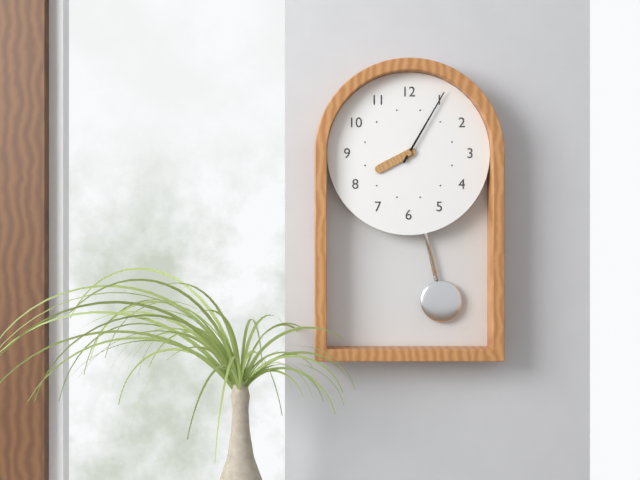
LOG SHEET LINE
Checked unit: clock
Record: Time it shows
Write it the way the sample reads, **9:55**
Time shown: **8:05**
